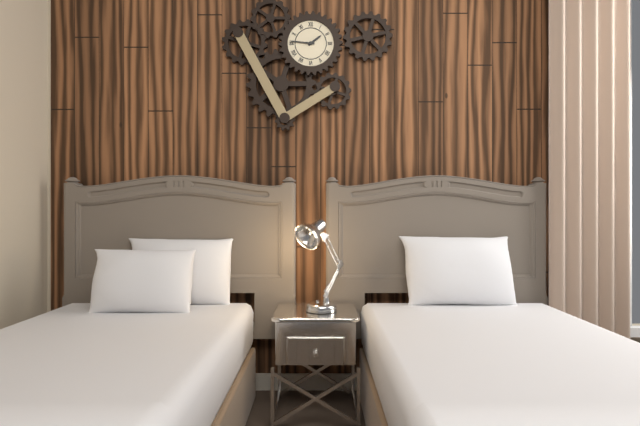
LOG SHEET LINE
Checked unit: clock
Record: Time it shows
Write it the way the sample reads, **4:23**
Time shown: **1:46**
